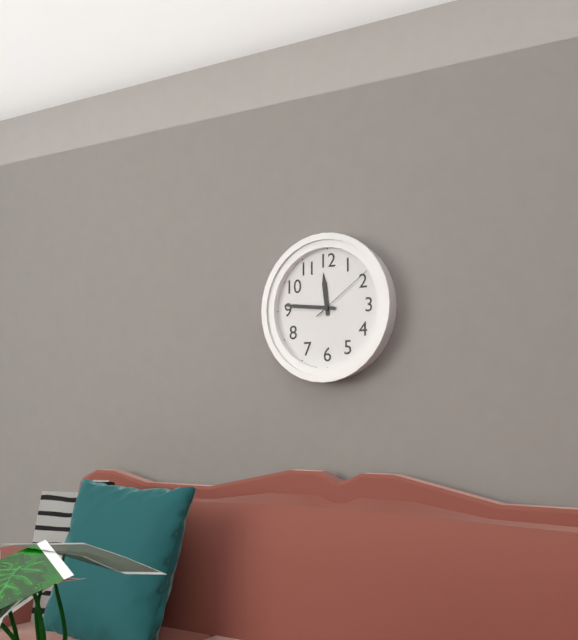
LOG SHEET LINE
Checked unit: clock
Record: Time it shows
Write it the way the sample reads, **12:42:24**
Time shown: **11:46:09**
